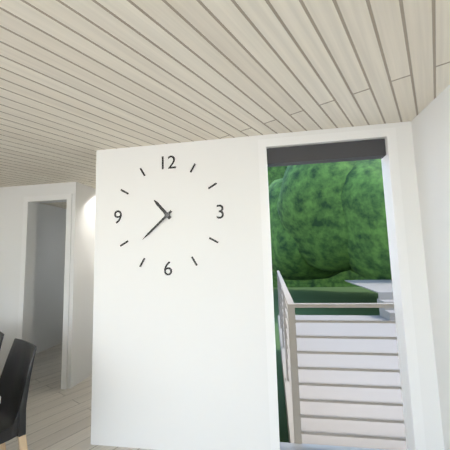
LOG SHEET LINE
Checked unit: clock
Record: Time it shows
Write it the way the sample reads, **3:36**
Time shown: **10:38**
